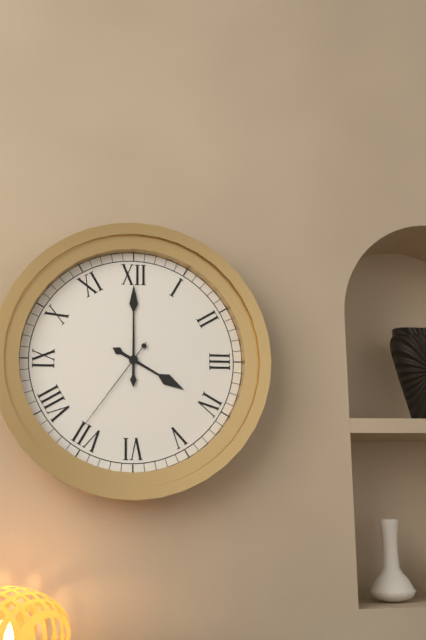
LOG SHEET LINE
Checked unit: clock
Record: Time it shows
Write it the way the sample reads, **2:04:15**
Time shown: **4:00:36**
